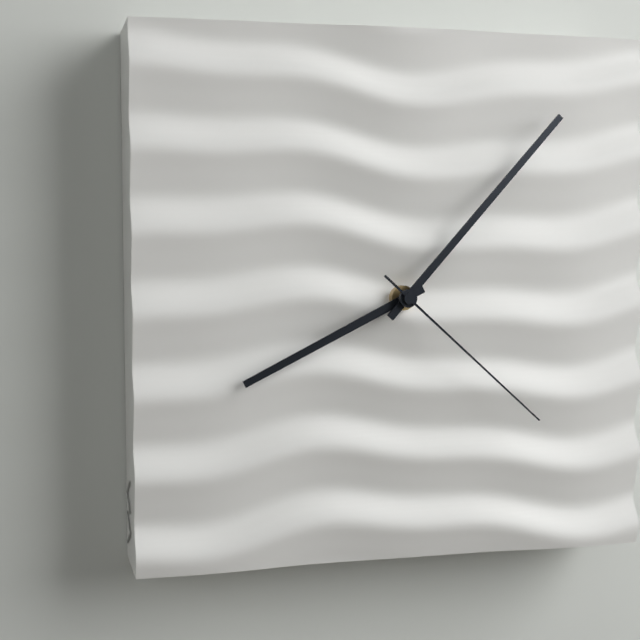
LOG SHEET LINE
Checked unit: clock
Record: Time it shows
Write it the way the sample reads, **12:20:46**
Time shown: **8:07:22**
